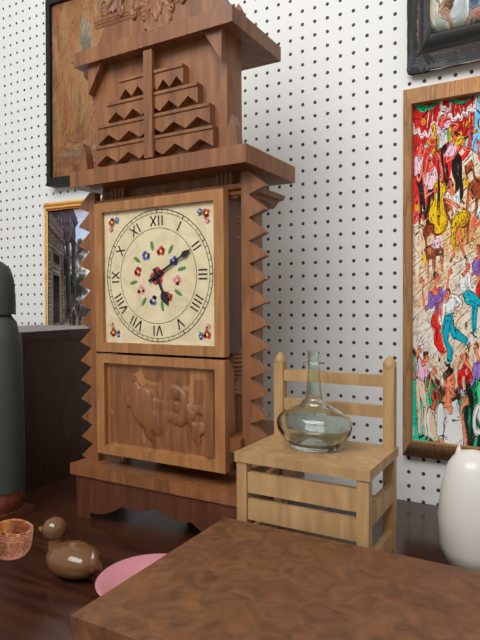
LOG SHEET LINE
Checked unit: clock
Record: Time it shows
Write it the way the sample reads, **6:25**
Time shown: **5:10**
